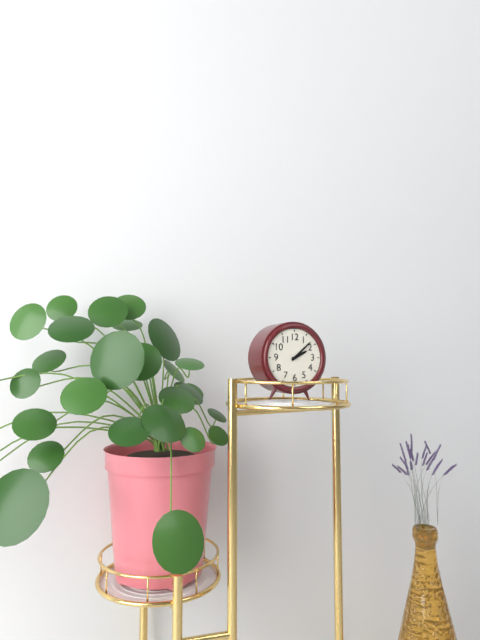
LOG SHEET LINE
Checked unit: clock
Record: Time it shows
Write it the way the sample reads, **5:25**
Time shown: **2:08**
